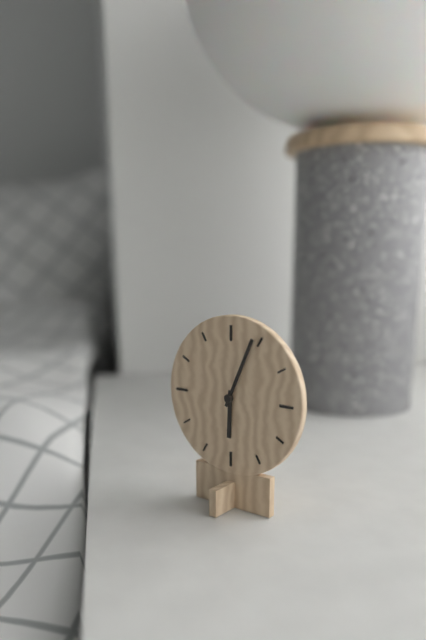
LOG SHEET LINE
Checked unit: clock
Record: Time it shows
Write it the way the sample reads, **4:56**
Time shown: **6:04**
